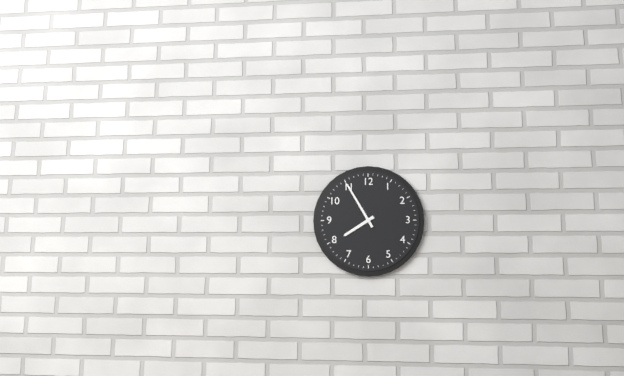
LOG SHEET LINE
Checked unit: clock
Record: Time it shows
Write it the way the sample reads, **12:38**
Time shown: **7:55**
